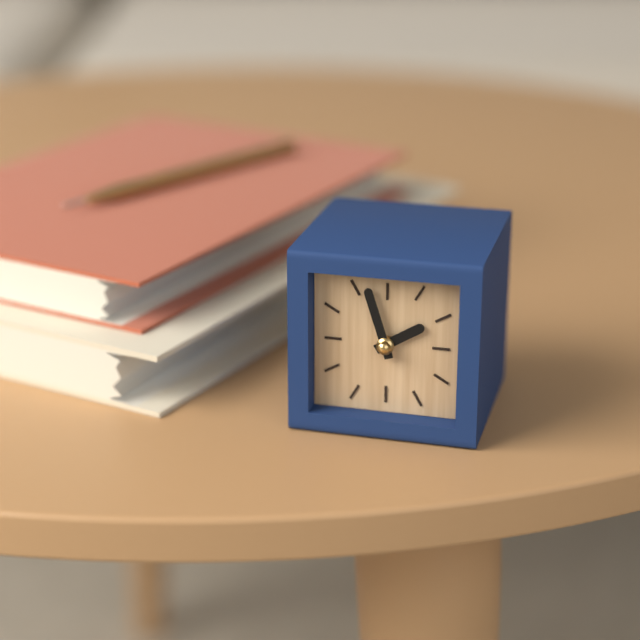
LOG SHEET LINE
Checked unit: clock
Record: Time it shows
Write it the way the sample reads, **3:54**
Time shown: **1:57**
